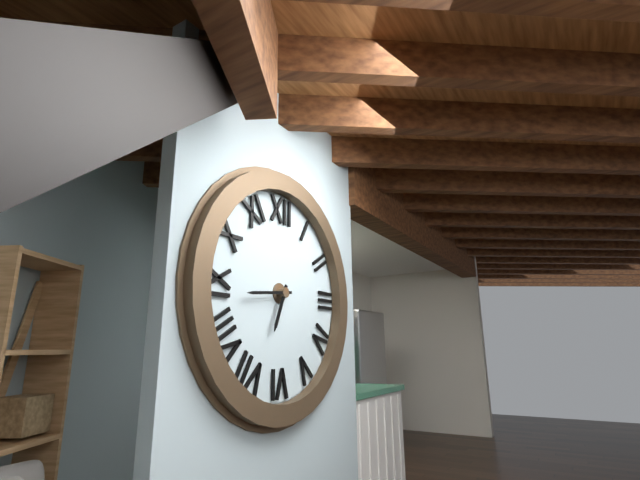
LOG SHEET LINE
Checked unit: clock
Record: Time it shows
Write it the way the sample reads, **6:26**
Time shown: **6:44**
